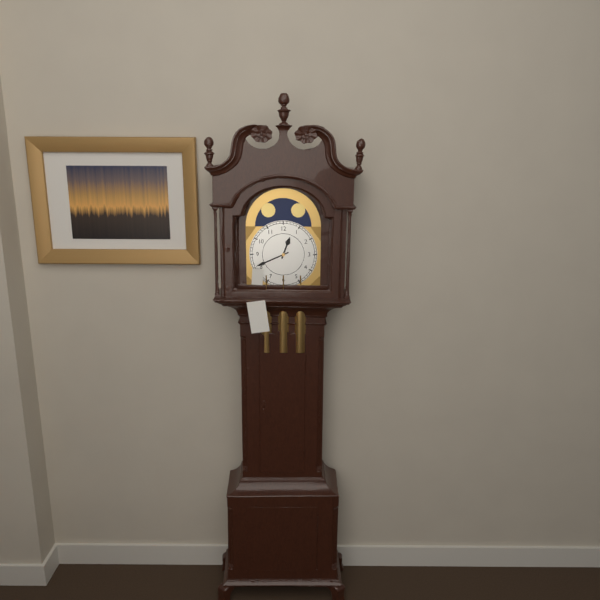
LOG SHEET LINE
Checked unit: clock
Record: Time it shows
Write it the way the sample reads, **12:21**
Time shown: **12:41**
